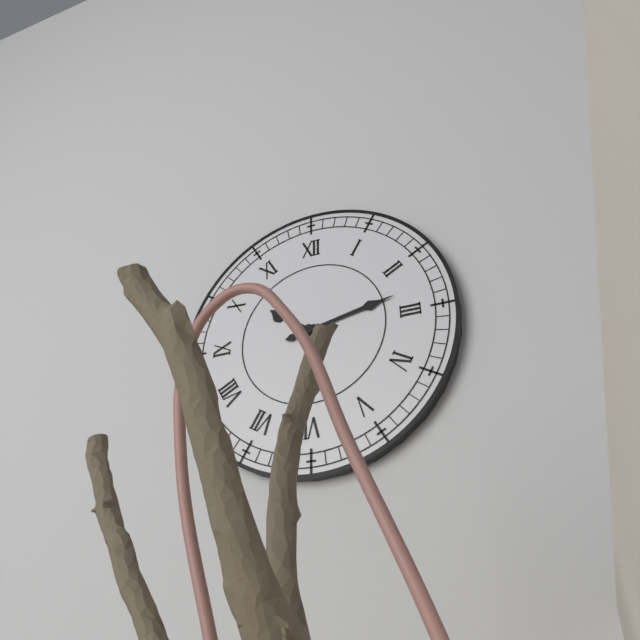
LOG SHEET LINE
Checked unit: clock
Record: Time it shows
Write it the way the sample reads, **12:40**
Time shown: **10:13**
